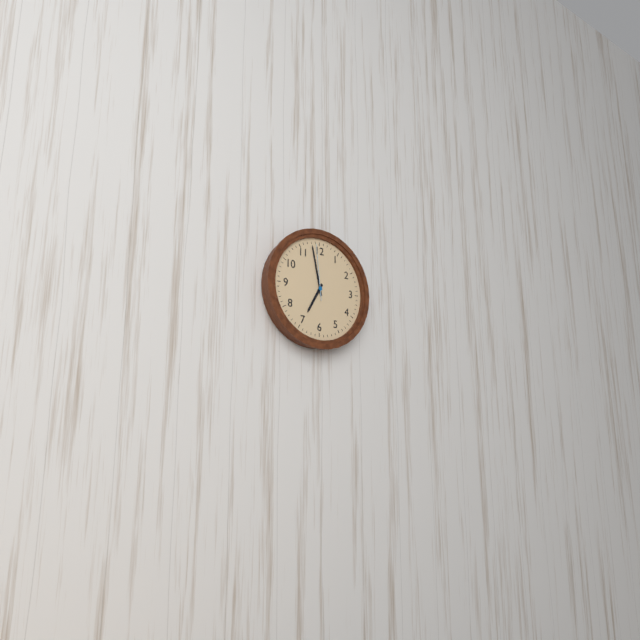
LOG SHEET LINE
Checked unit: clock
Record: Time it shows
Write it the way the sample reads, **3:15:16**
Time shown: **6:58:59**
